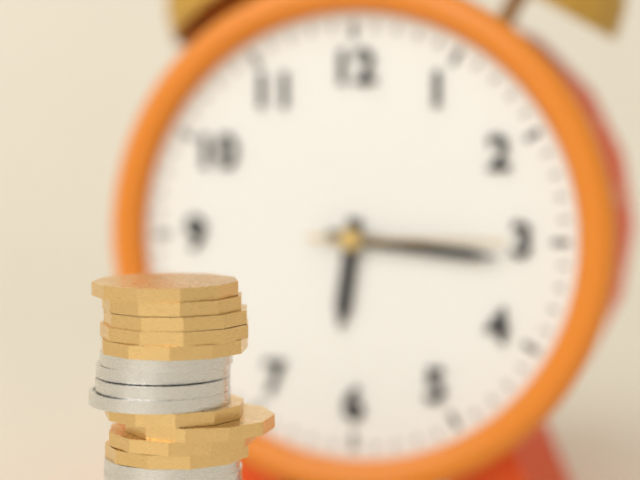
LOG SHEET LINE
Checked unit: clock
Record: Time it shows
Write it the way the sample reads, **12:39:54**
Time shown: **6:16:15**
